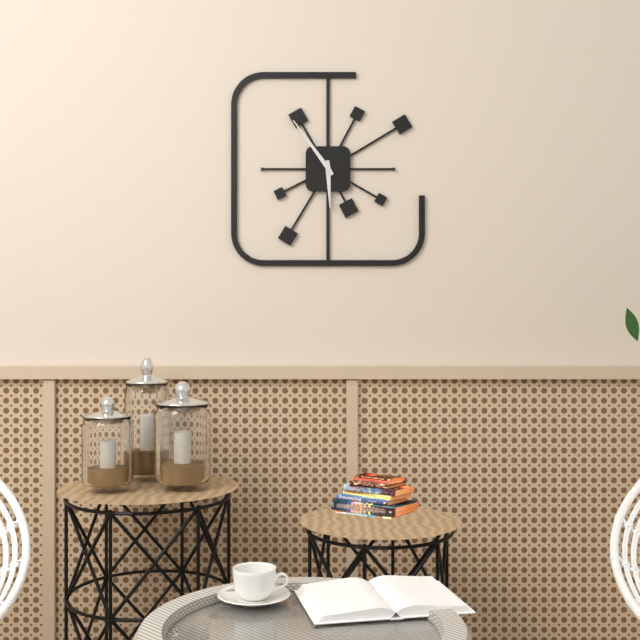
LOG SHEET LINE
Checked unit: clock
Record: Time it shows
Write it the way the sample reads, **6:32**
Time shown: **5:54**
